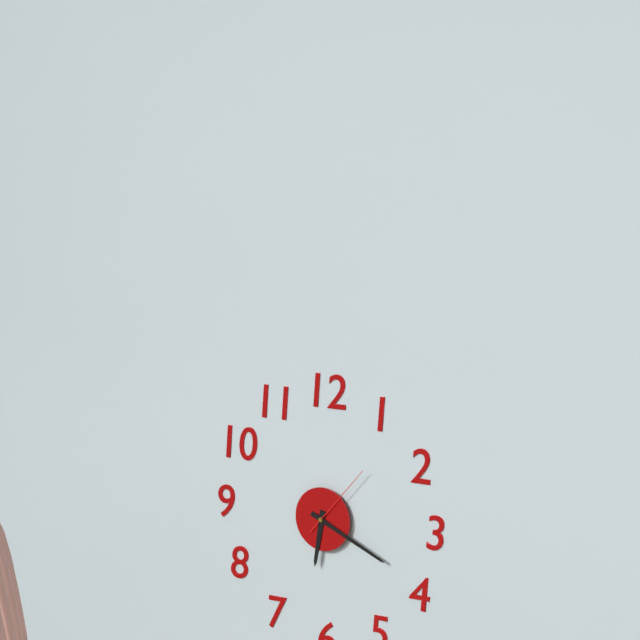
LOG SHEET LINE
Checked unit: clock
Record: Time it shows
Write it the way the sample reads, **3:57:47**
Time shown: **6:19:07**
